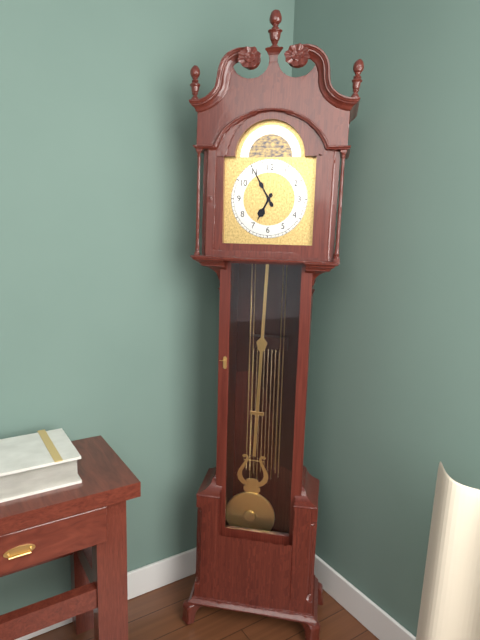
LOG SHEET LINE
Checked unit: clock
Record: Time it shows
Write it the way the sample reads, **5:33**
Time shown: **6:55**
